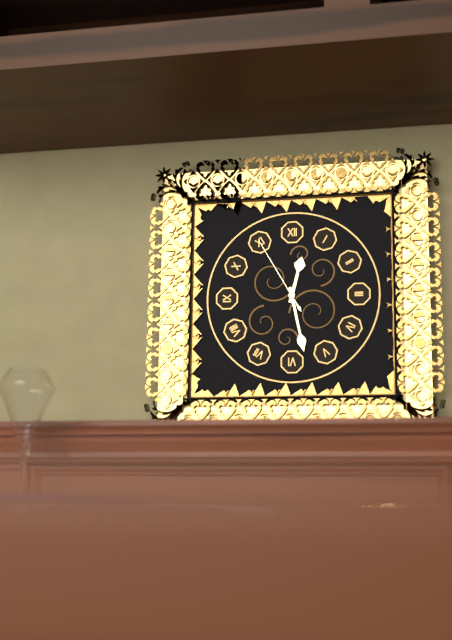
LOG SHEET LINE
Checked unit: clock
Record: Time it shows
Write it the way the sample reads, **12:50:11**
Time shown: **12:28:55**
